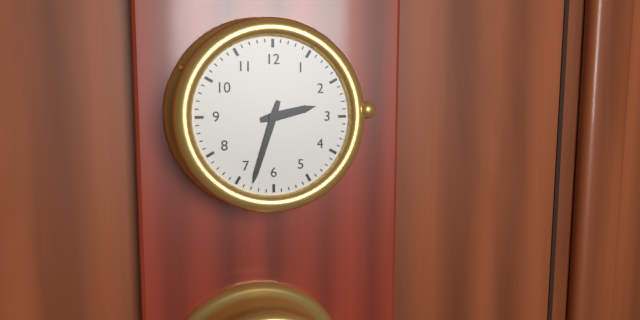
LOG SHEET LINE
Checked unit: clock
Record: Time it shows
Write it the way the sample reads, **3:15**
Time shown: **2:33**
